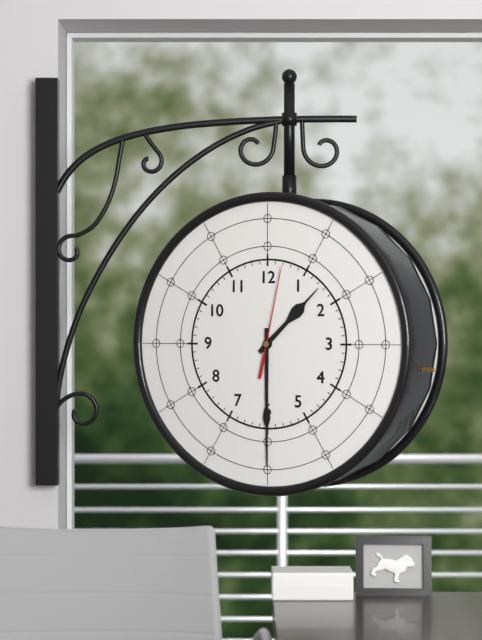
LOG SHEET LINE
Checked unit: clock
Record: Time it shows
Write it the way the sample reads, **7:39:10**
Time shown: **1:30:02**
